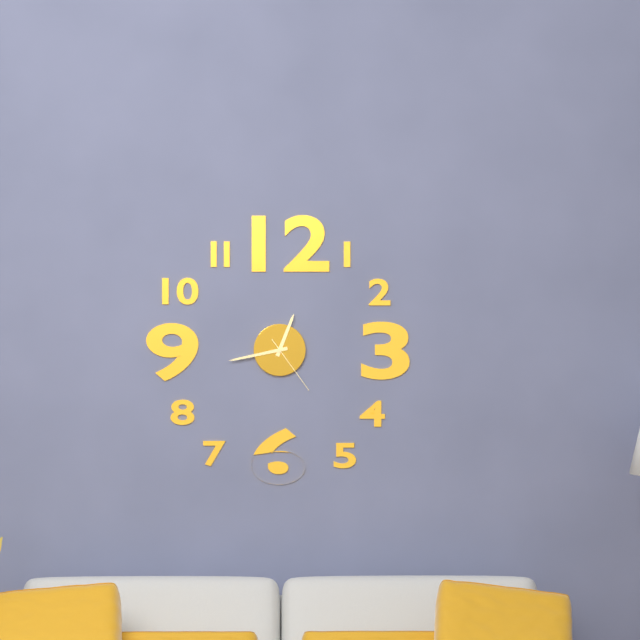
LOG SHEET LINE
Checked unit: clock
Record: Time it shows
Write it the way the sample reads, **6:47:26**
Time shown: **12:43:24**
